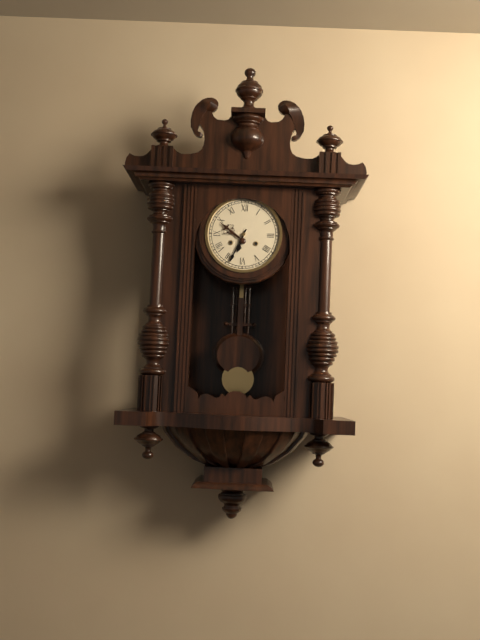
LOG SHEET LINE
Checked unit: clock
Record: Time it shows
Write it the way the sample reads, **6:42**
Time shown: **6:34**
